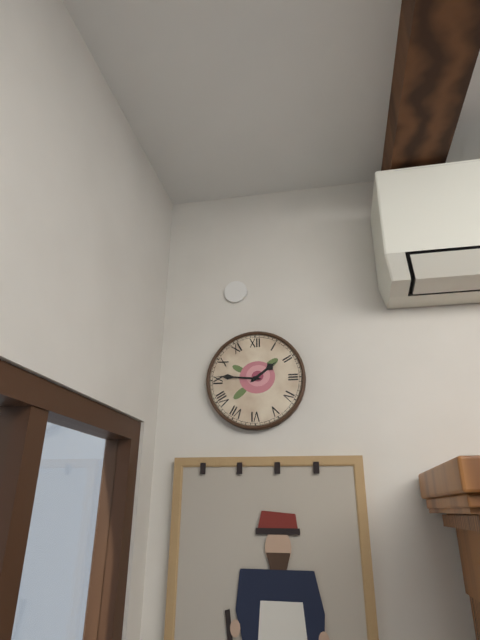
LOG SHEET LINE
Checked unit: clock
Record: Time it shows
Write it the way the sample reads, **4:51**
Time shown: **1:46**
